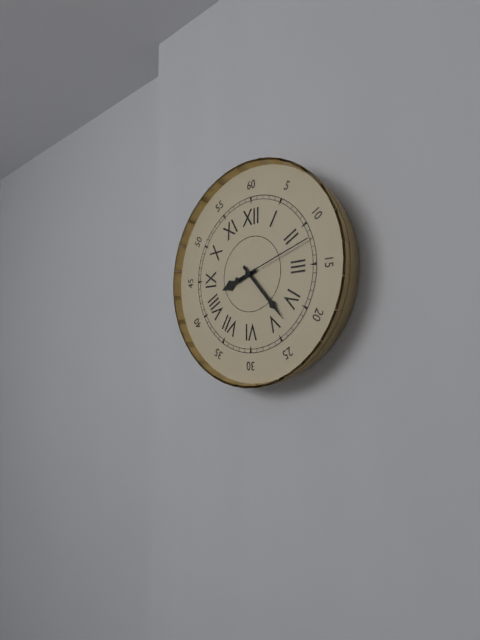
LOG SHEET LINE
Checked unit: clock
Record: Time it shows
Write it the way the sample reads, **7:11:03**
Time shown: **8:23:12**
